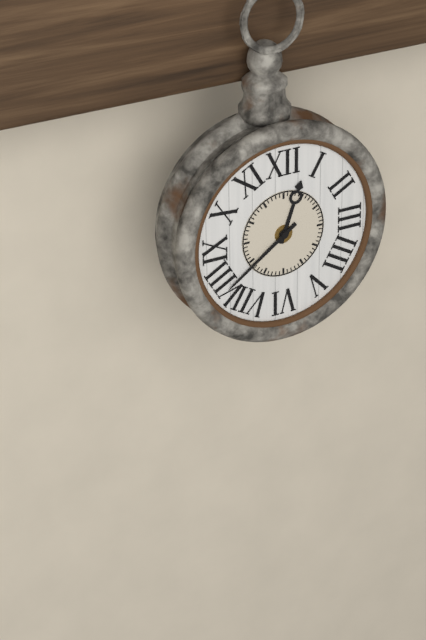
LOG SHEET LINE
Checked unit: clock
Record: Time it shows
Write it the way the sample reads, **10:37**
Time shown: **12:39**
